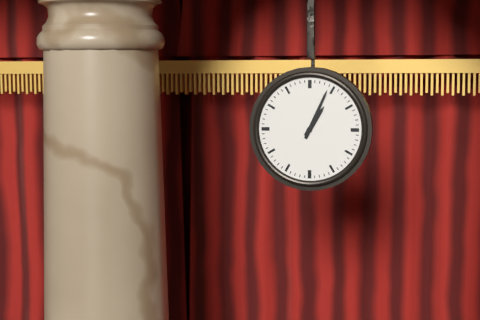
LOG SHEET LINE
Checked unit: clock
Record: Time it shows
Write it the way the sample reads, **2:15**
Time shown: **1:04**
